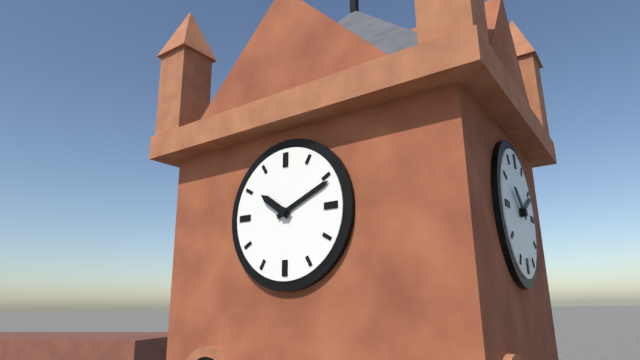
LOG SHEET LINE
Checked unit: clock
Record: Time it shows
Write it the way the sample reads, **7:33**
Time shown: **10:11**
